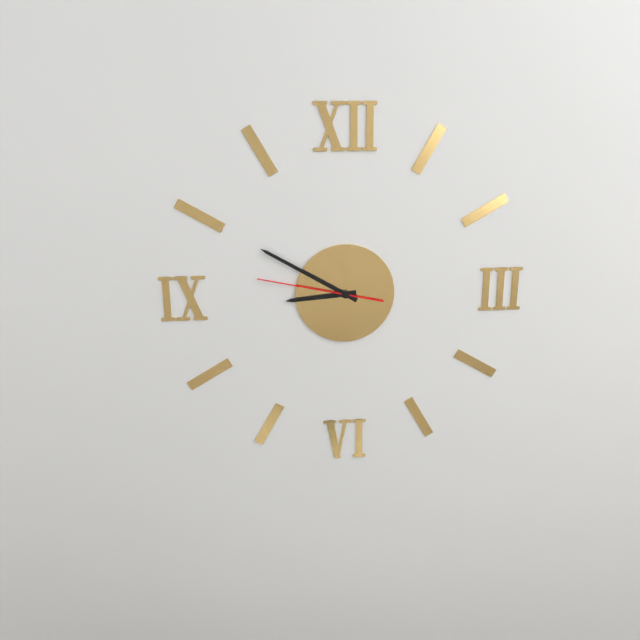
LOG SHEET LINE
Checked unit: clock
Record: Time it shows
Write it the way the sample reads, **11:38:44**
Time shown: **8:50:47**
